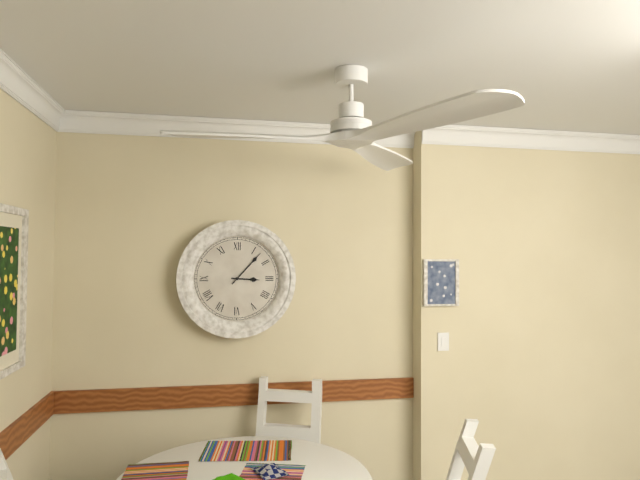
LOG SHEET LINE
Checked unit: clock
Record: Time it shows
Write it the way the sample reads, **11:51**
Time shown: **3:07**
